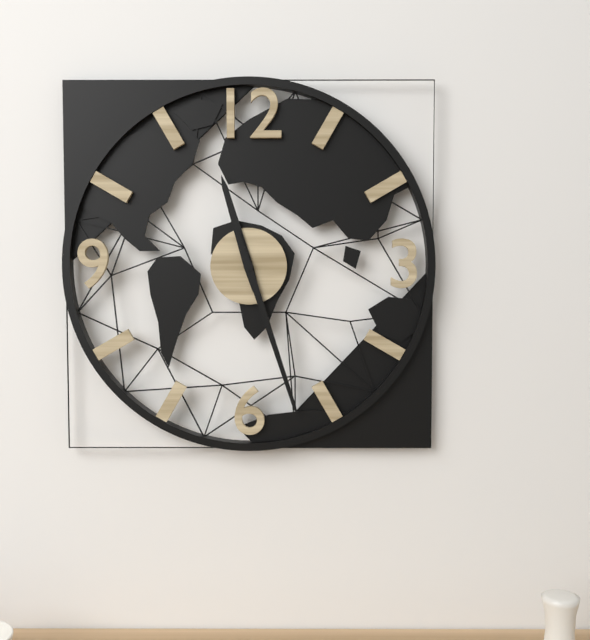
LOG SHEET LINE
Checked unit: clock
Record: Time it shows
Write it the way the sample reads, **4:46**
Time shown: **11:27**
